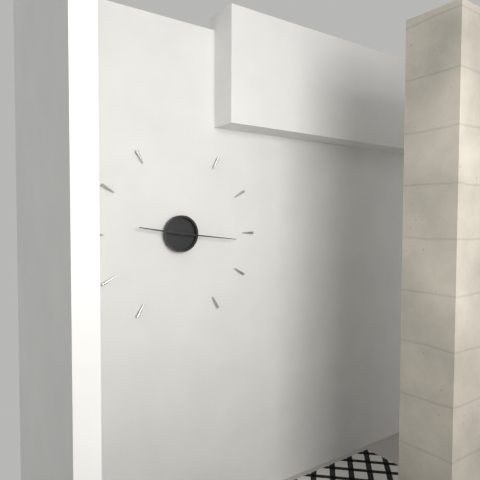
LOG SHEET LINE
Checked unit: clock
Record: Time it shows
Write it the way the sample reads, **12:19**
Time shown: **9:16**
